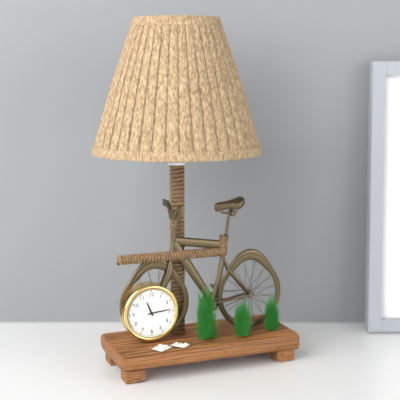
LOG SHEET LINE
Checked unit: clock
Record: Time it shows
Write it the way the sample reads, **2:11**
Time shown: **11:14**
